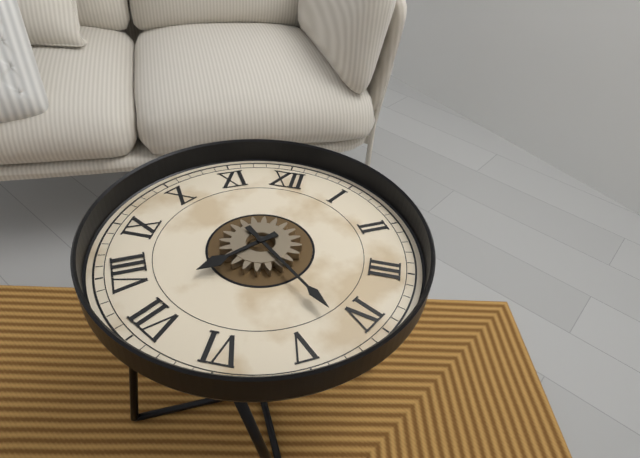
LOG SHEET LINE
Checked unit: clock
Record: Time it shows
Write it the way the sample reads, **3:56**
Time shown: **7:22**
